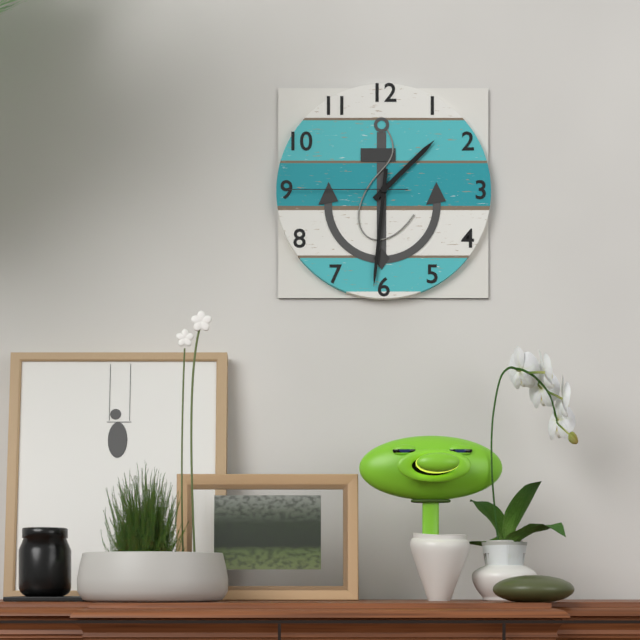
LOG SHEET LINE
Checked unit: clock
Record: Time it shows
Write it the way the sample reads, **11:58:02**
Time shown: **1:31:45**
